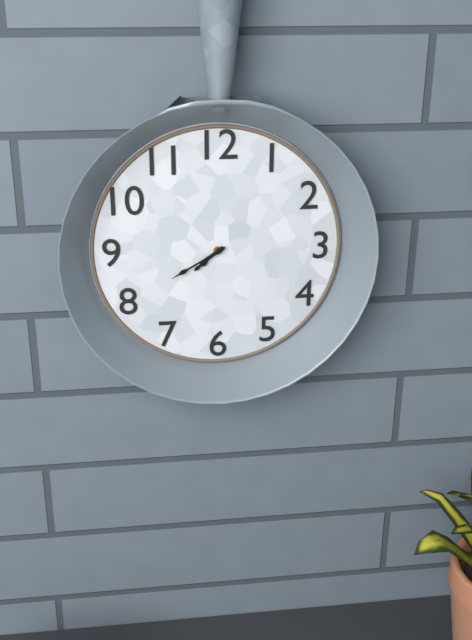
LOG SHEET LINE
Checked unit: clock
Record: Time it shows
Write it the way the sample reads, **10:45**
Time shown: **7:40**
